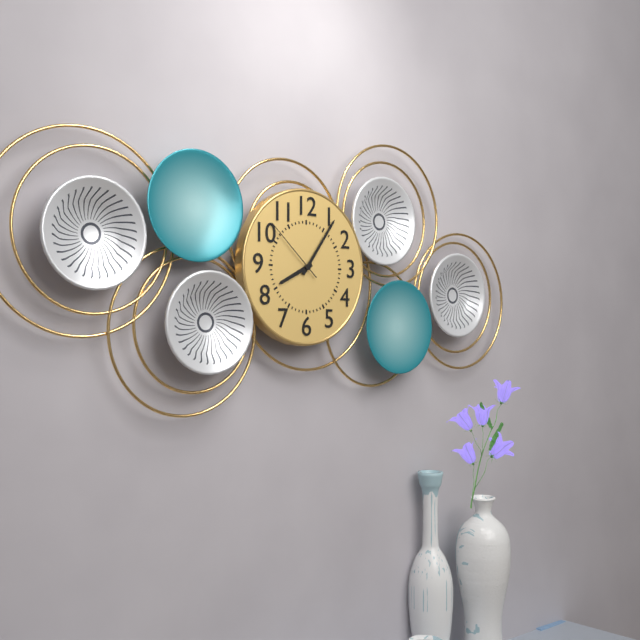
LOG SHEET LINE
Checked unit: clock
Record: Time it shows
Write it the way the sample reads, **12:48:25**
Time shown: **8:06:52**
